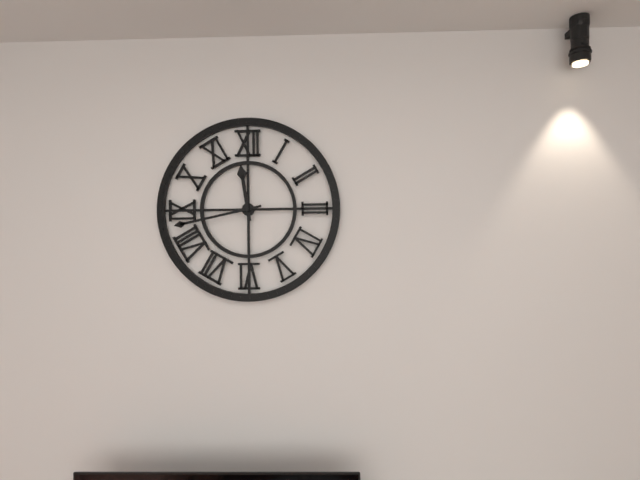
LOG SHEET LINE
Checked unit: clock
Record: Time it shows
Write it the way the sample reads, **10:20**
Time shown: **11:43**
